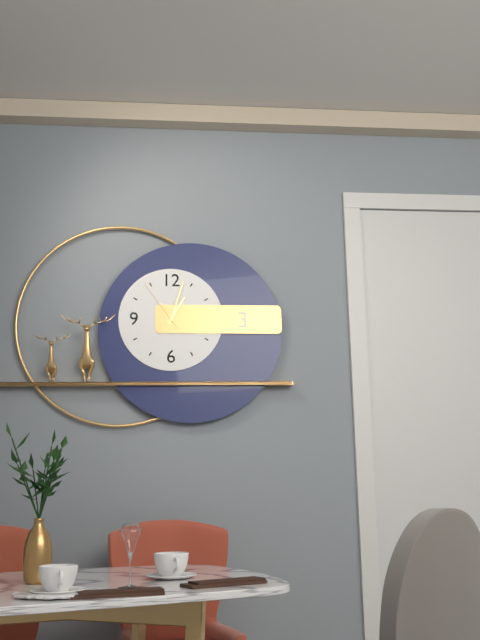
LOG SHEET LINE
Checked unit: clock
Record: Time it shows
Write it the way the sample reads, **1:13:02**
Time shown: **1:03:54**
